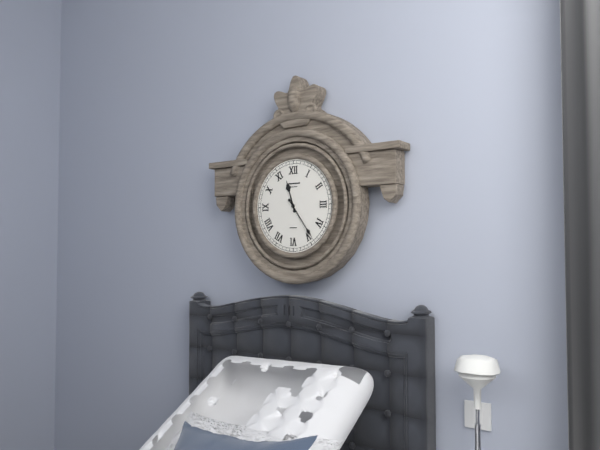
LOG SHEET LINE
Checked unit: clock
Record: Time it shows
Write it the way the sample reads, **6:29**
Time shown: **11:24**
